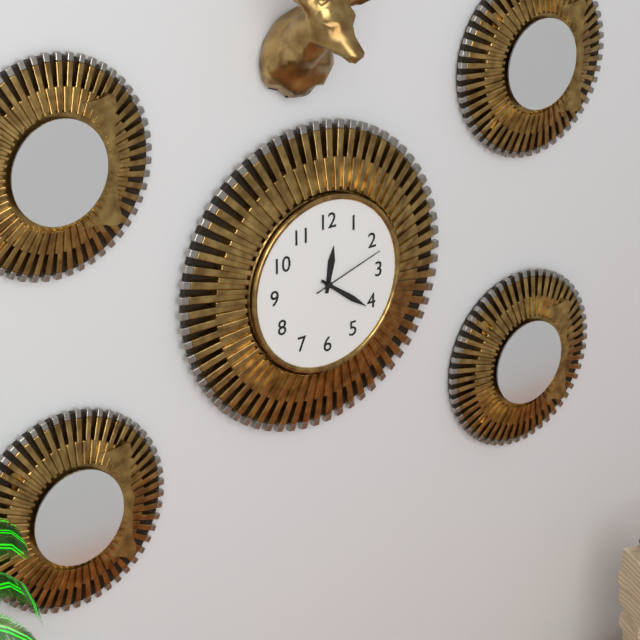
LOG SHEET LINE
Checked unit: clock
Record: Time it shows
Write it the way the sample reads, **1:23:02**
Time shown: **12:21:12**
